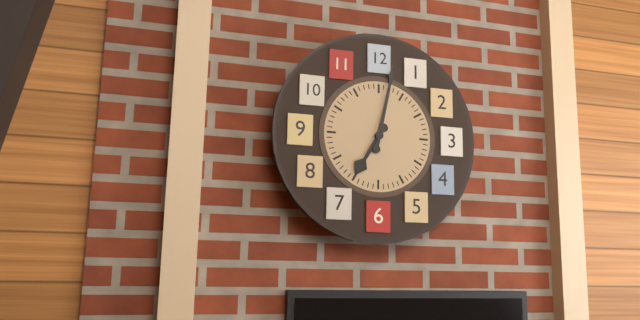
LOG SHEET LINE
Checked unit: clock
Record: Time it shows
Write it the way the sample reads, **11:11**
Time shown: **7:02**
